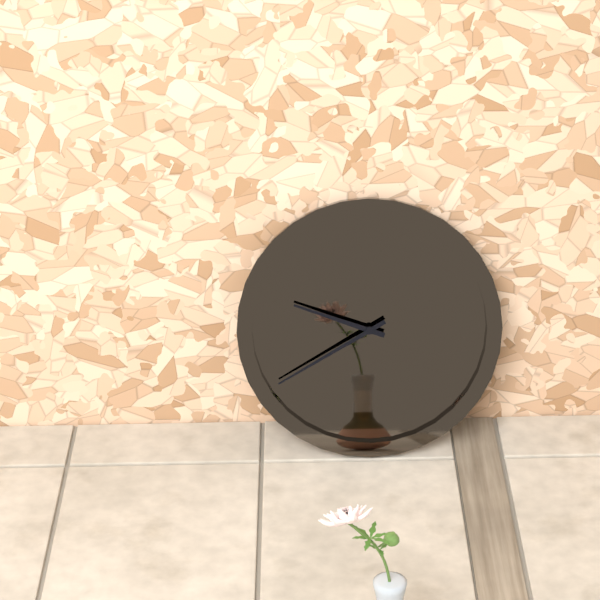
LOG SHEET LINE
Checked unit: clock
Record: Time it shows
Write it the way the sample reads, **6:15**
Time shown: **9:40**
